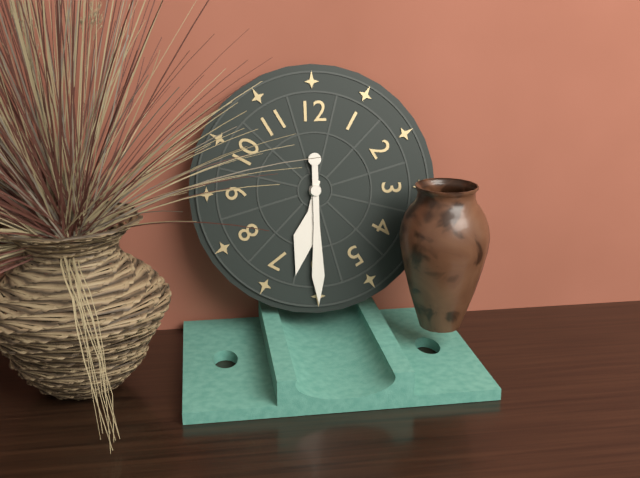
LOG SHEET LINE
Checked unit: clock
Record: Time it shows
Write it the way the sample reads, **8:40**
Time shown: **6:30**
